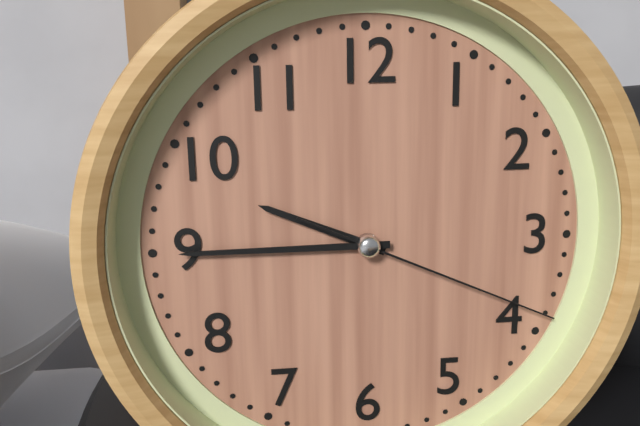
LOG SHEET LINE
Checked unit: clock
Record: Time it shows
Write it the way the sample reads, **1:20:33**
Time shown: **9:45:19**
